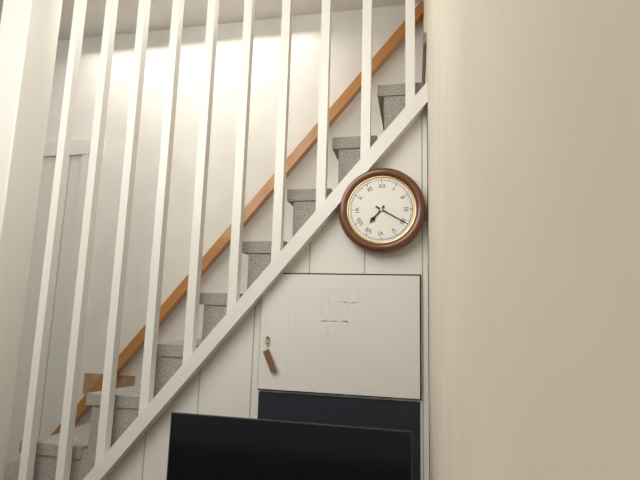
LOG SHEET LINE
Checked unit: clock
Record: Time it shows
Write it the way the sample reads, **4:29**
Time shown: **7:20**
